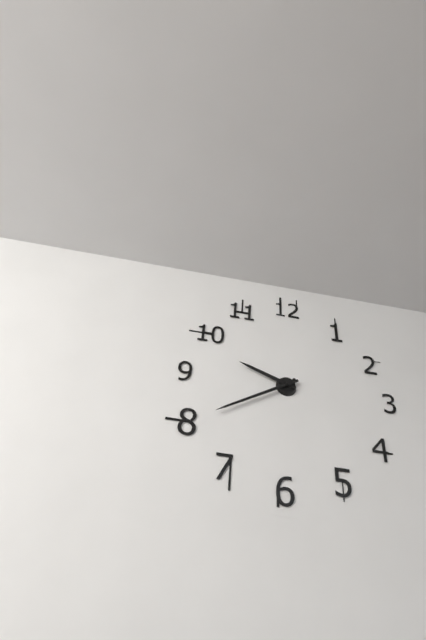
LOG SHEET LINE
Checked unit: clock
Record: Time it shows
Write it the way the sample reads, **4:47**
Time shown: **9:40**
